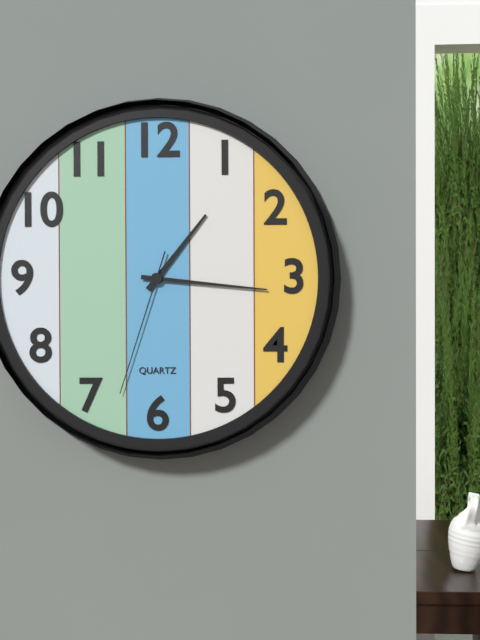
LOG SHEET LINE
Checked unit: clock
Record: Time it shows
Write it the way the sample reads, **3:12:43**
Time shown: **1:16:33**
